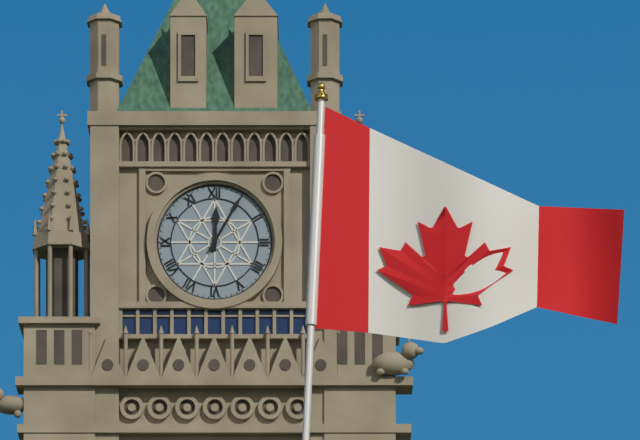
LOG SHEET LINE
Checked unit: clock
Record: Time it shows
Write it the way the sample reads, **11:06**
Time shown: **12:05**
